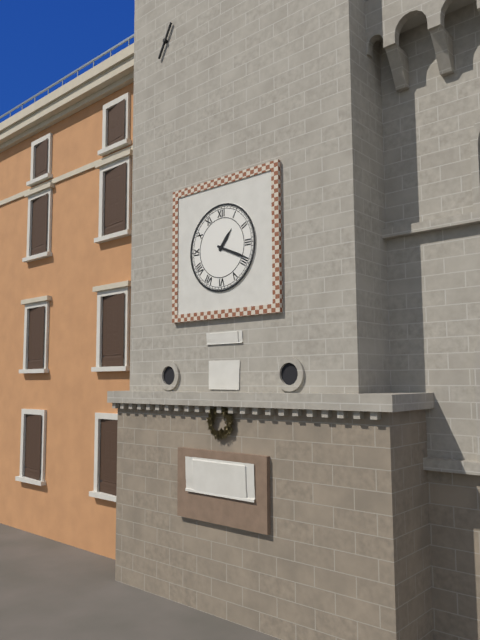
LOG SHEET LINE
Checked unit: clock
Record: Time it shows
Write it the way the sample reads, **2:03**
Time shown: **1:19**
